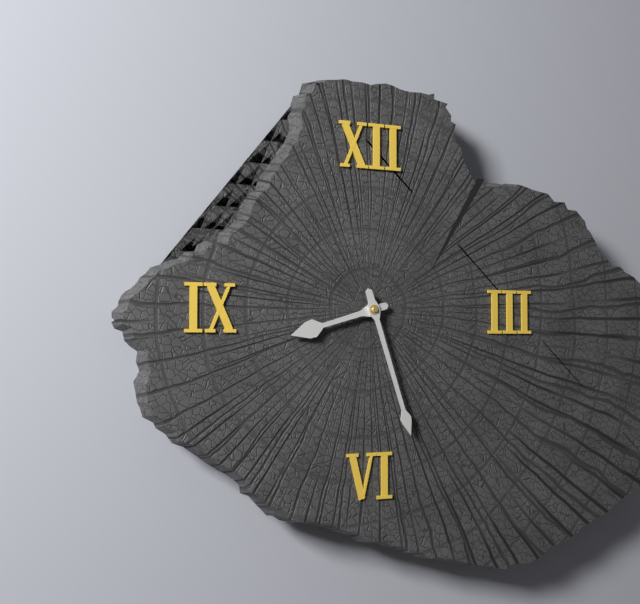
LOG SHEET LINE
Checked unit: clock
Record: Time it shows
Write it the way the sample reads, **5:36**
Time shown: **8:27**
